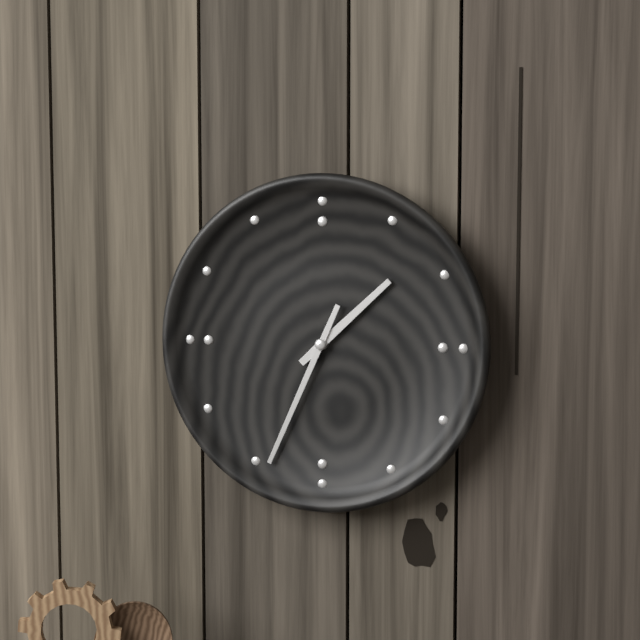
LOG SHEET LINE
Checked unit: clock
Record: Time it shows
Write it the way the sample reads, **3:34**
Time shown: **1:34**
